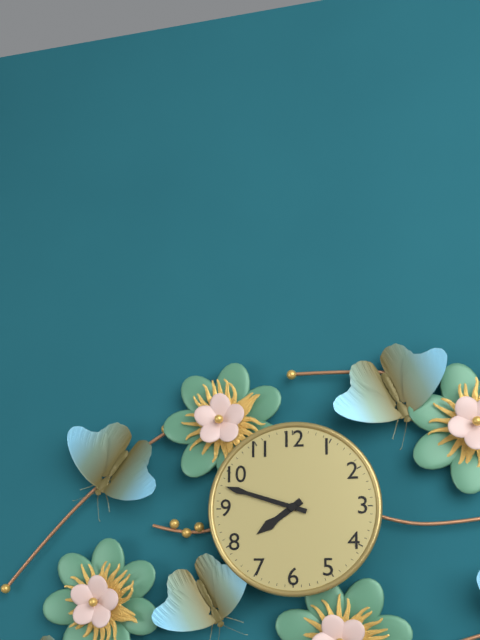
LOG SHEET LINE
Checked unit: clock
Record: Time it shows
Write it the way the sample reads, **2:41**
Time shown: **7:48**
